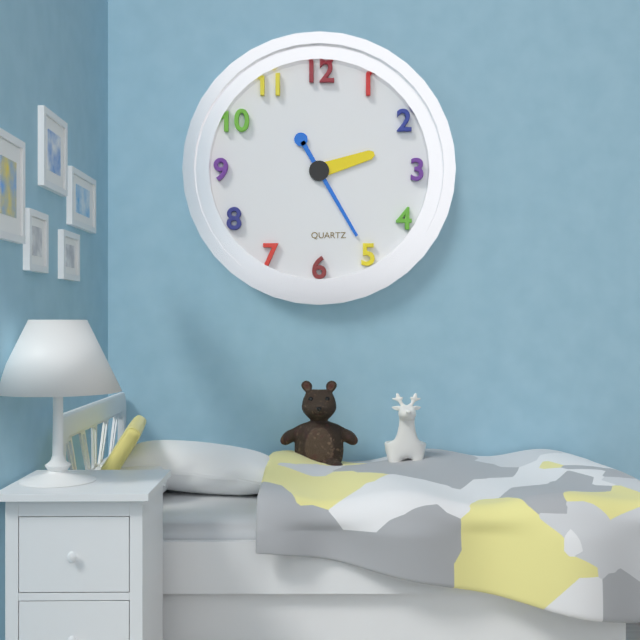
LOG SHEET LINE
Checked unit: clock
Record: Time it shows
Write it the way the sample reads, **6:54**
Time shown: **2:25**
